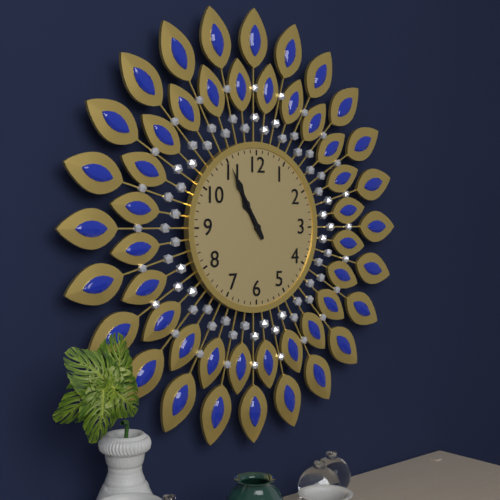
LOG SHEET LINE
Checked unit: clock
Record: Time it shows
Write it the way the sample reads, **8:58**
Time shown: **10:55**
